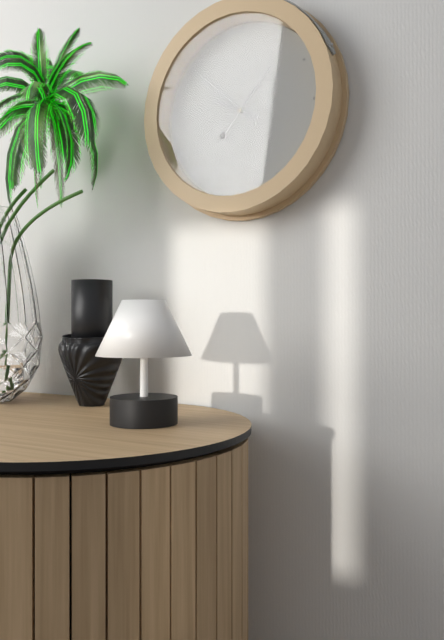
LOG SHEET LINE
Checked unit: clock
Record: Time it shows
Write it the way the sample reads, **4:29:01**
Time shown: **9:52:07**
